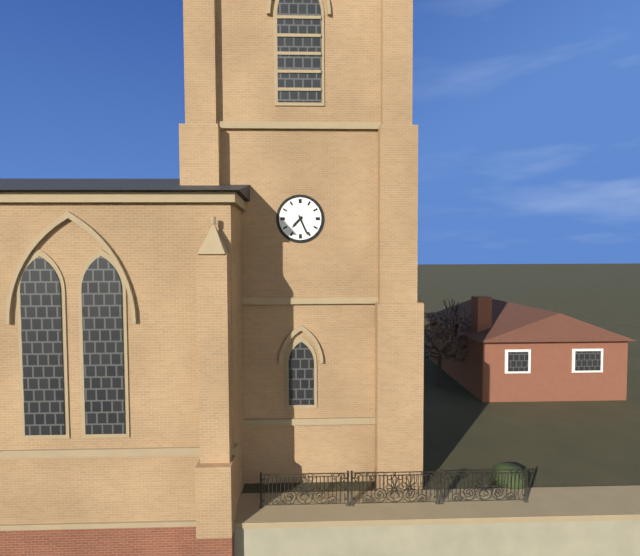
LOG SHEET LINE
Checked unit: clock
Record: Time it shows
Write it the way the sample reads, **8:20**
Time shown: **7:26**
